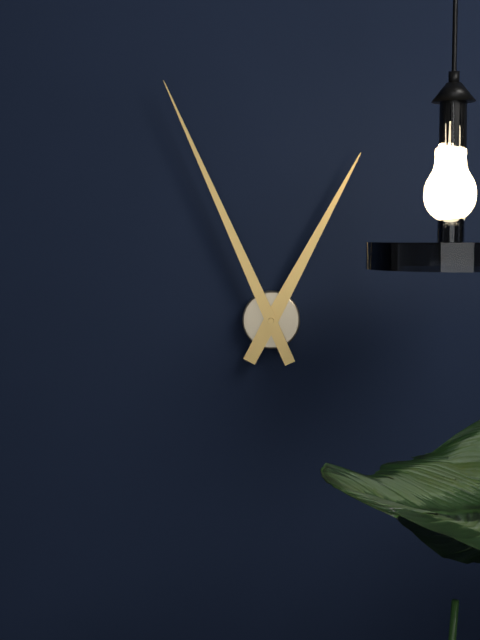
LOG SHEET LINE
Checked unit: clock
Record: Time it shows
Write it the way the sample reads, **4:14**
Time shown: **12:56**
